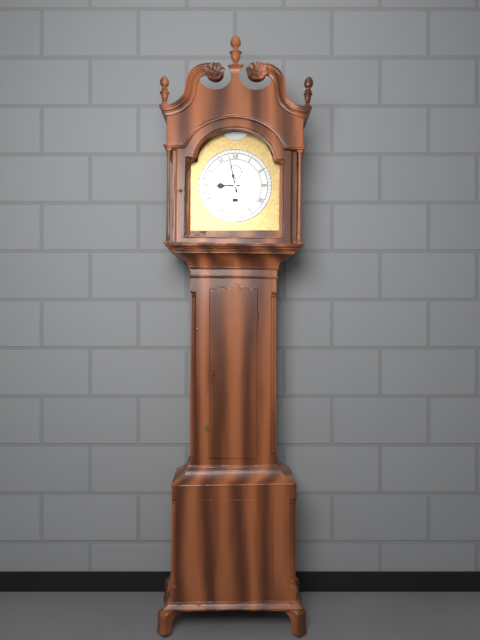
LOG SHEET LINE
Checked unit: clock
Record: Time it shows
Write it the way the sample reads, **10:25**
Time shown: **8:58**
